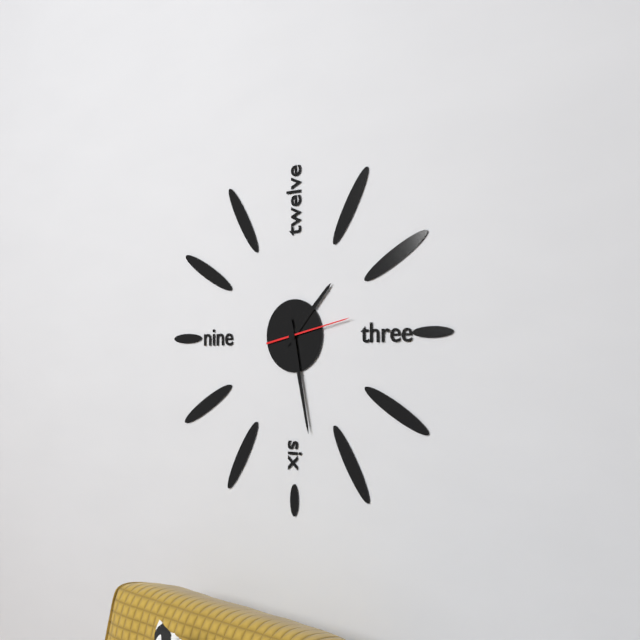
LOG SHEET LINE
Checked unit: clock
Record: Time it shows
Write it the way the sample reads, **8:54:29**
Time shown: **1:28:13**
